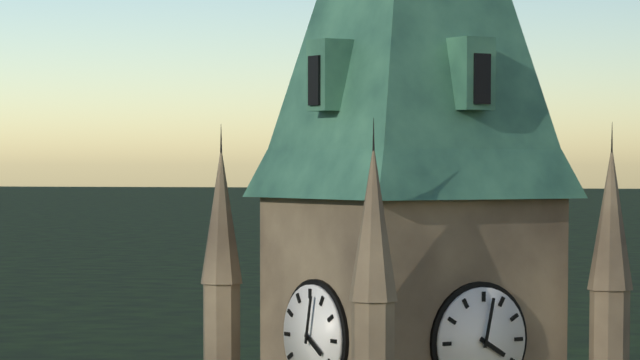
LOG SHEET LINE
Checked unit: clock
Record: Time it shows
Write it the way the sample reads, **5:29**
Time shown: **4:02**
